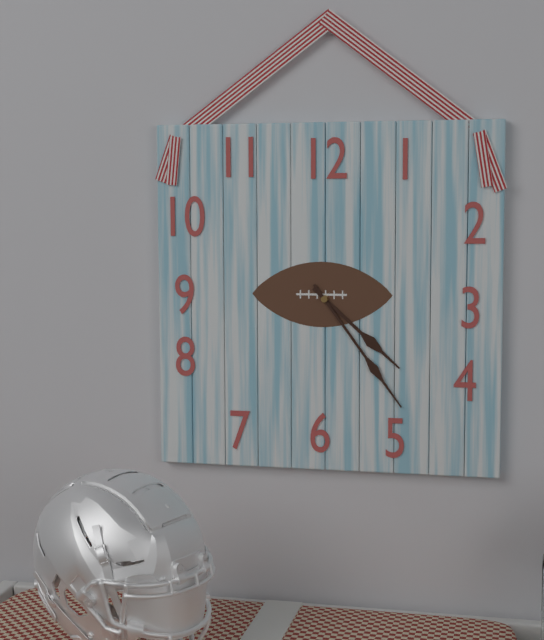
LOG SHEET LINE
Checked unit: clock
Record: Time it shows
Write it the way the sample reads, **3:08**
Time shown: **4:24**
